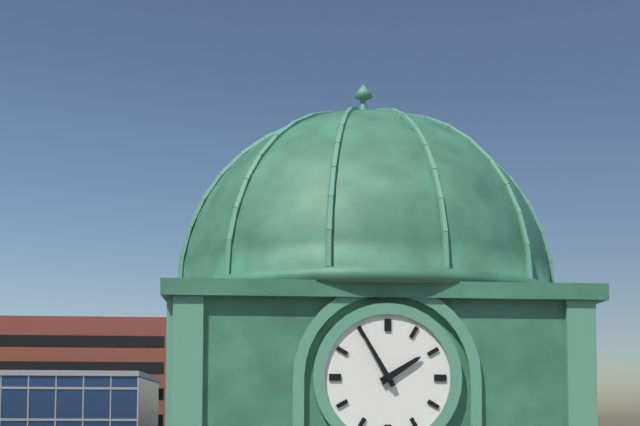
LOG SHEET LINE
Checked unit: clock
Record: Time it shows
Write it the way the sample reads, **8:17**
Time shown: **1:55**
